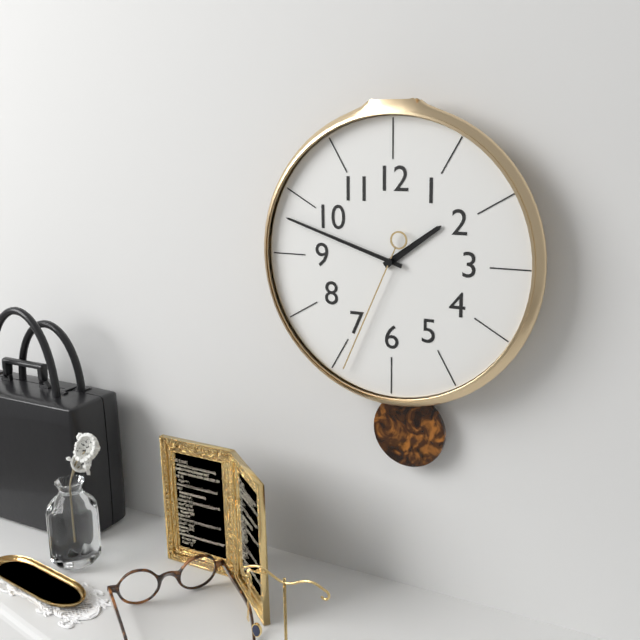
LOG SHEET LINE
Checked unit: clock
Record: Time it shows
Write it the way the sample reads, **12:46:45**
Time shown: **1:48:34**
